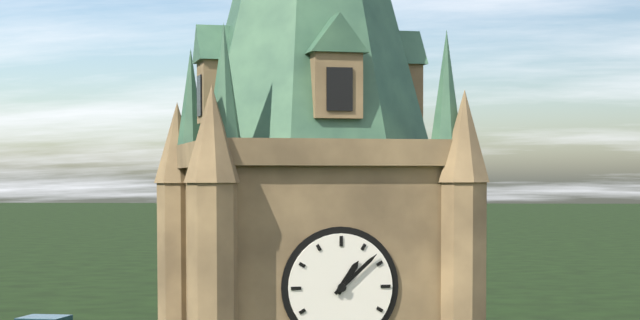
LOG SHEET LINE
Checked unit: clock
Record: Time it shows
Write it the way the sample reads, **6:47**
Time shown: **1:08**
